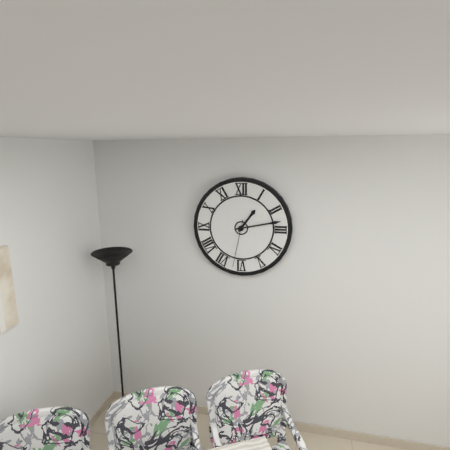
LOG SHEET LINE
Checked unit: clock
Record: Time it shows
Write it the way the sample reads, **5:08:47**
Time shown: **1:13:32**
